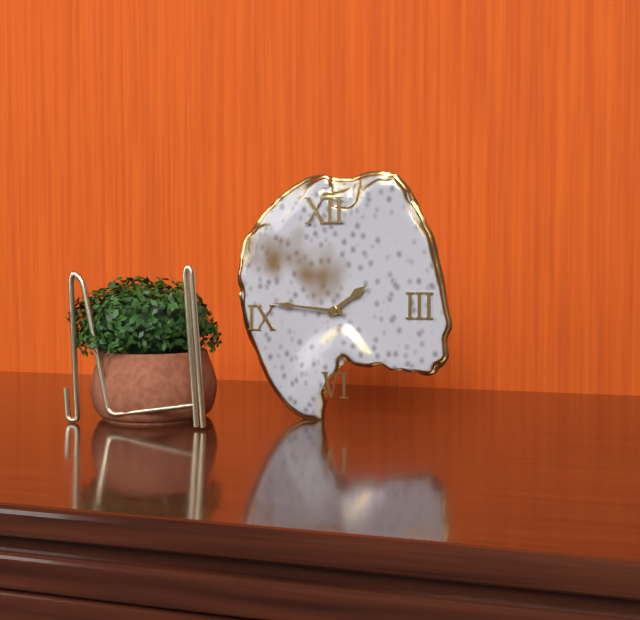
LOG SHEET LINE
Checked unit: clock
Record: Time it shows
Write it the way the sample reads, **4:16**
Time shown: **1:46**
